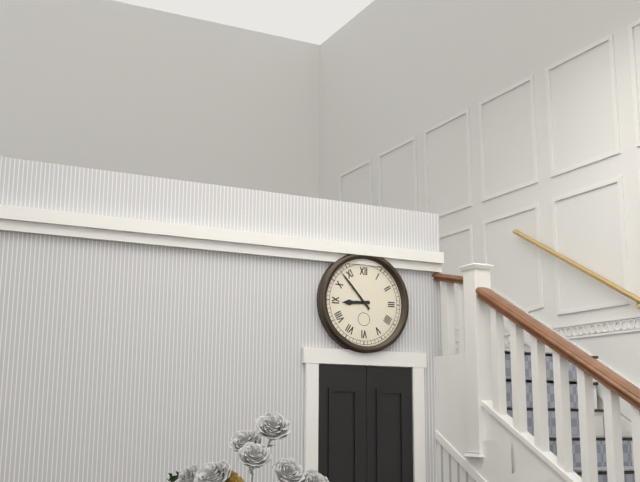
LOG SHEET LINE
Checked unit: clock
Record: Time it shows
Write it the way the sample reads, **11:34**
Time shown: **8:53**
